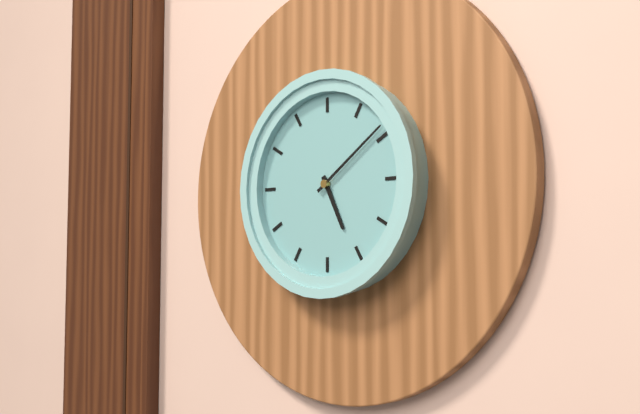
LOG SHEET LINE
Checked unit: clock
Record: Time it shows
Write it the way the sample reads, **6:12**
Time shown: **5:09**
